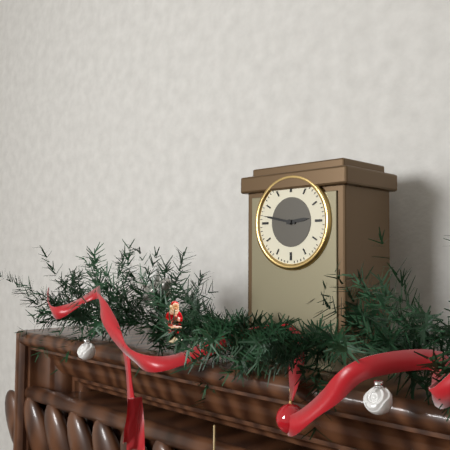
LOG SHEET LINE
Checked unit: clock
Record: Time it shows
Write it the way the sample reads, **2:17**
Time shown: **2:47**
